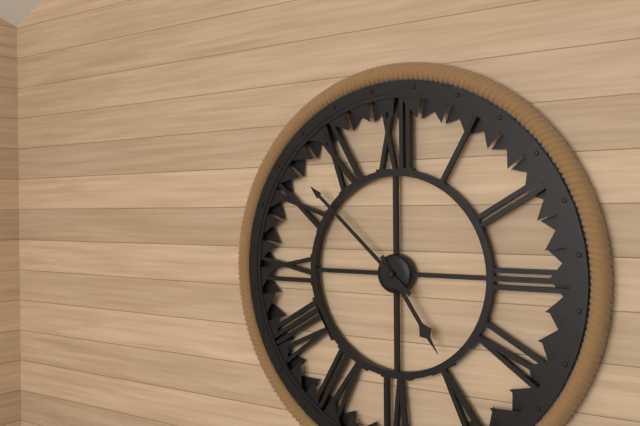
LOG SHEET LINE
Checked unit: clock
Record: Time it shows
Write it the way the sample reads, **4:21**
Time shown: **4:52**
